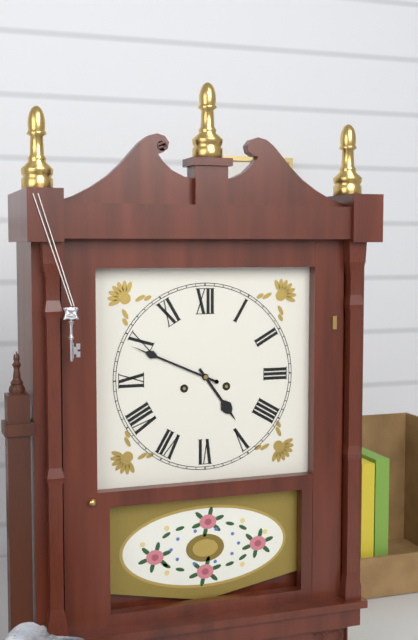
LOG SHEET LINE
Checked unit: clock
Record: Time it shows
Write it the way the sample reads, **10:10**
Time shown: **4:49**
